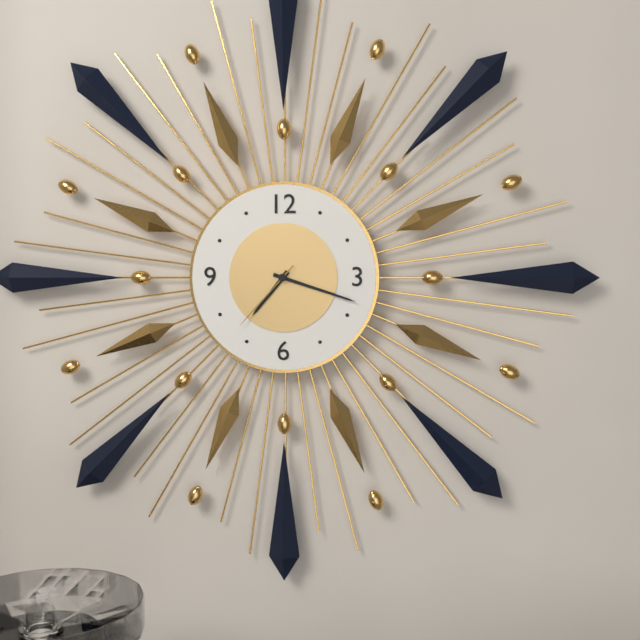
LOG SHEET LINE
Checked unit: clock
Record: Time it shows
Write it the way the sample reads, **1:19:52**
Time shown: **7:18:37**
